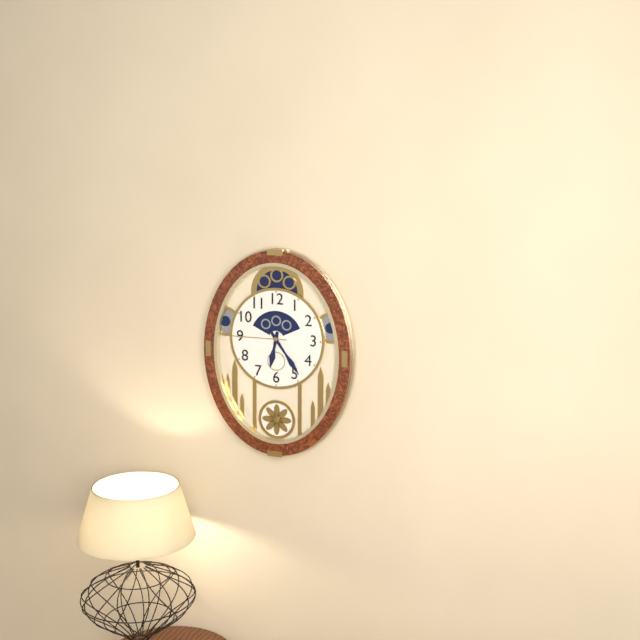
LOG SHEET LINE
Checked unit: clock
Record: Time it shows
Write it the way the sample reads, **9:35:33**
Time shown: **6:24:45**
